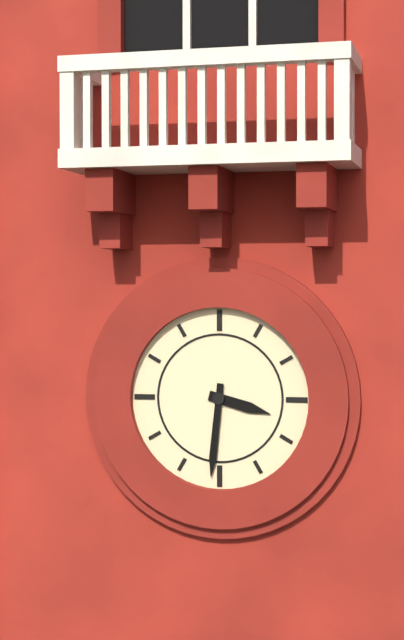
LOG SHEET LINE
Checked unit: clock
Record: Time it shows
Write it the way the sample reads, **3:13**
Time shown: **3:31**
